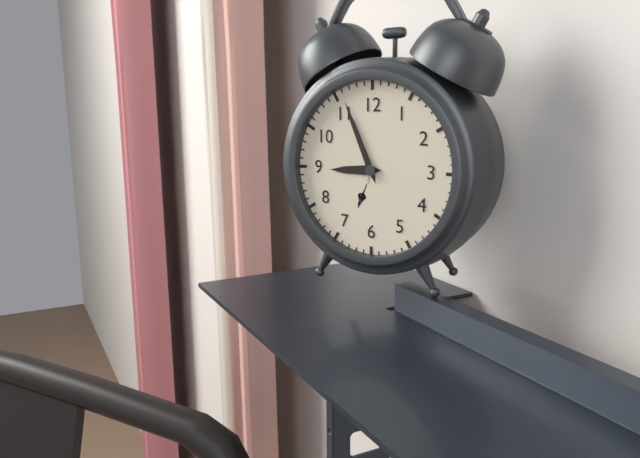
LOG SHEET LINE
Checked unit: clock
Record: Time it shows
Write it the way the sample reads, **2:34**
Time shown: **8:56**
